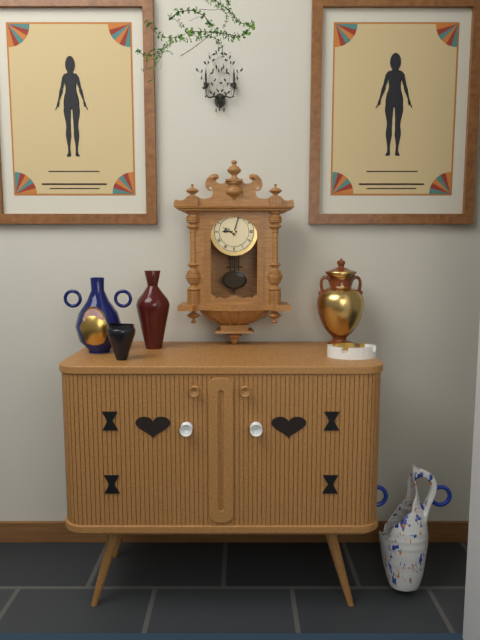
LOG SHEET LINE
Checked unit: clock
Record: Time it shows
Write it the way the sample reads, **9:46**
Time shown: **9:03**
